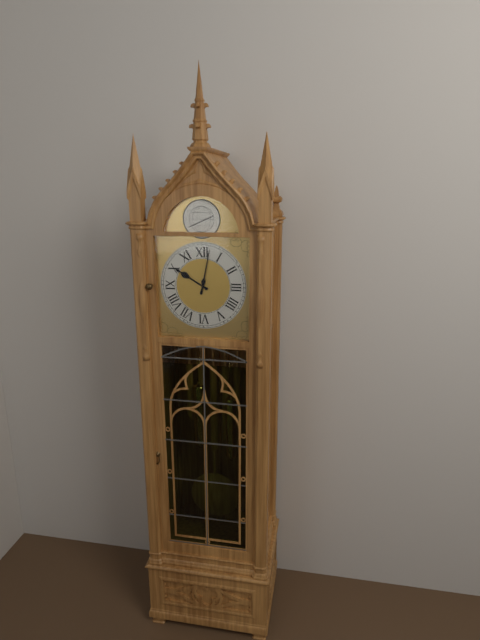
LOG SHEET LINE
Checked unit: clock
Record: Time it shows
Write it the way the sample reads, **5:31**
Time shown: **10:02**
